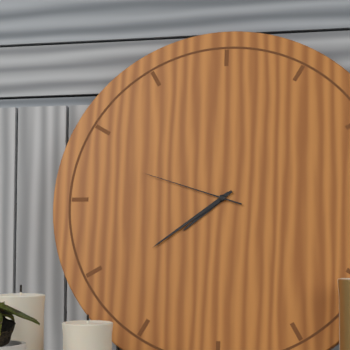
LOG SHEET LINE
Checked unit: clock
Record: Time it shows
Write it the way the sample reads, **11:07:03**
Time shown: **7:39:48**
